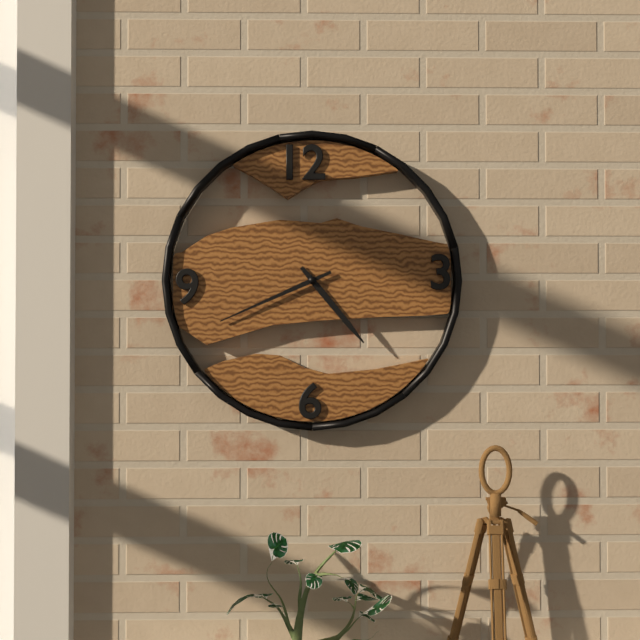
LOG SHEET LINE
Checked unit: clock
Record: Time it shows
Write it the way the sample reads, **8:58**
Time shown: **4:41**
